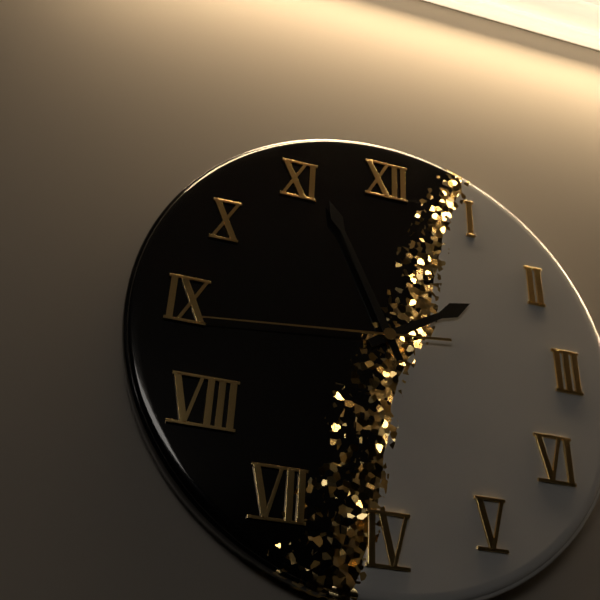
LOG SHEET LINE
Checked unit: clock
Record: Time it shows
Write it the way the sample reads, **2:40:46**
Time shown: **1:56:44**
